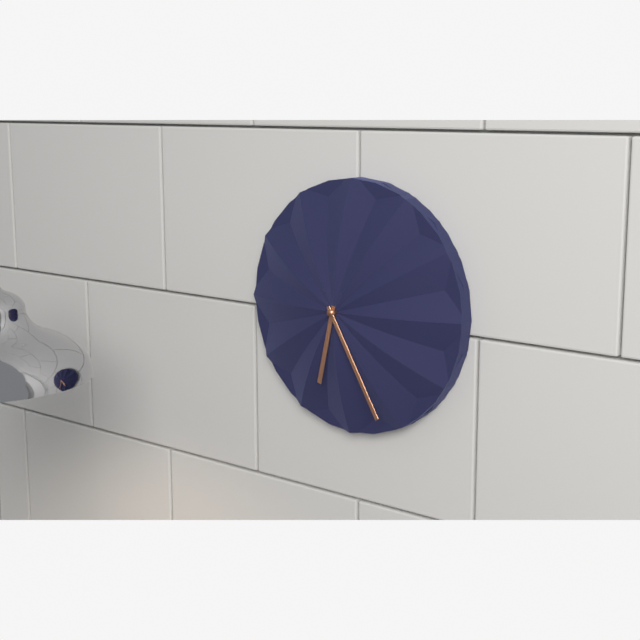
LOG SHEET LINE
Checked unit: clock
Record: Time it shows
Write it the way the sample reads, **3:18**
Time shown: **6:25**
